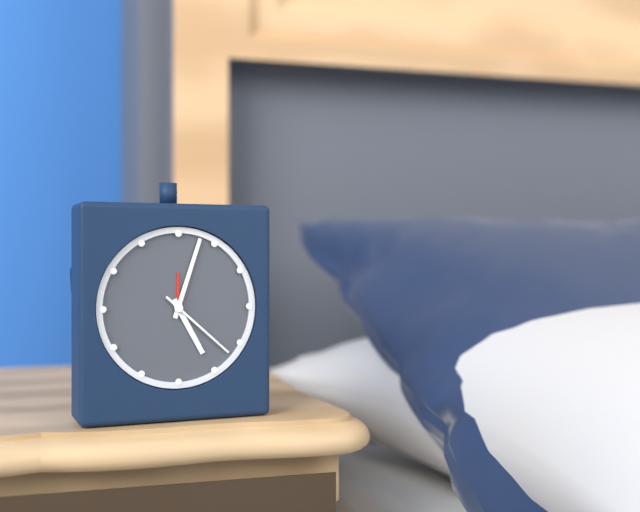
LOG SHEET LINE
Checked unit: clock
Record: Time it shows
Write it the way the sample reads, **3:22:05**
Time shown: **5:03:22**
